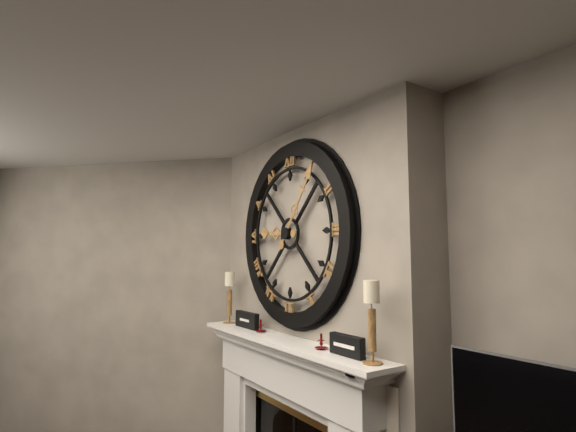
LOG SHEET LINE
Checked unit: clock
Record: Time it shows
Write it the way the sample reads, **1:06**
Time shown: **9:06**
